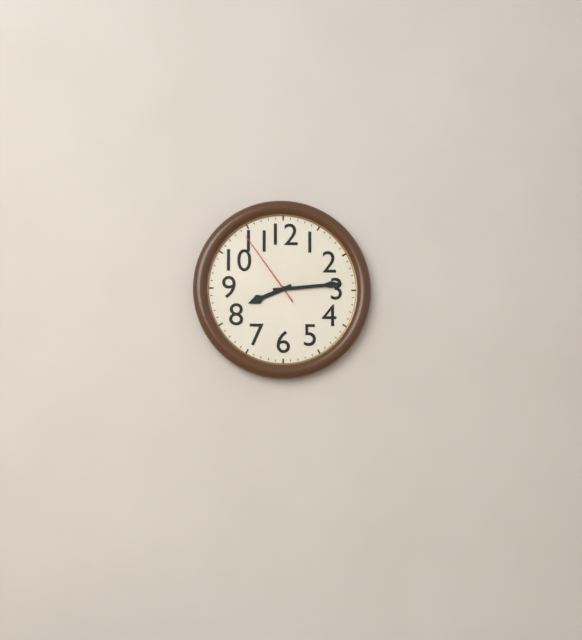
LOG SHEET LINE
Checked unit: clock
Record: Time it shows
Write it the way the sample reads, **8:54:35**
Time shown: **8:14:54**
